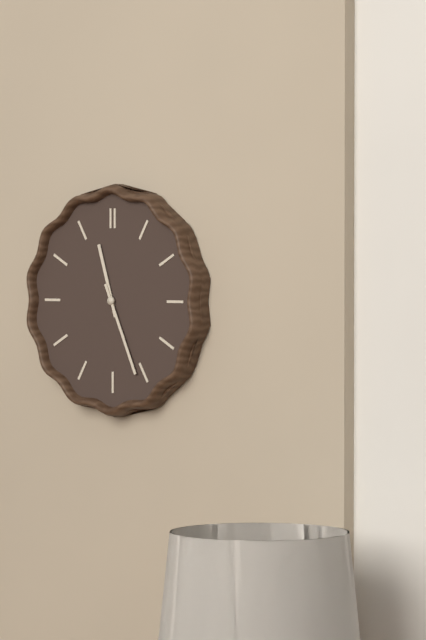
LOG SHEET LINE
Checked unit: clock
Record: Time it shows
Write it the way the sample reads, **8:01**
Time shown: **11:26**
